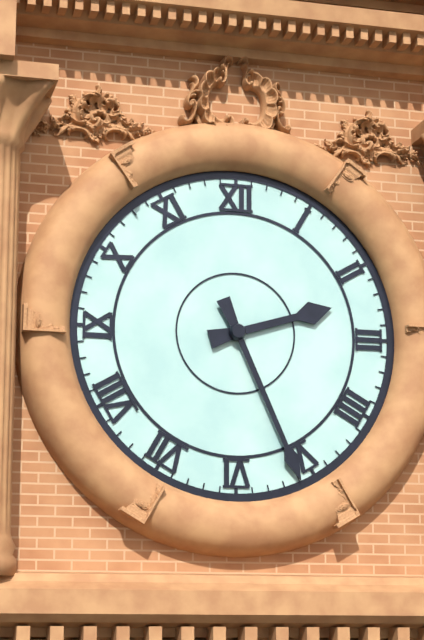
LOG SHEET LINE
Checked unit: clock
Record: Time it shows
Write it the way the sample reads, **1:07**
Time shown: **2:26**
